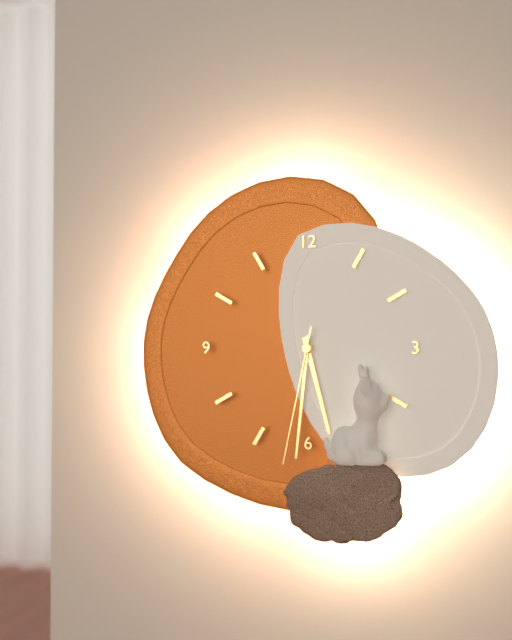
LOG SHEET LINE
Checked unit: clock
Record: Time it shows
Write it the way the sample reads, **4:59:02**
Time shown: **5:31:32**
